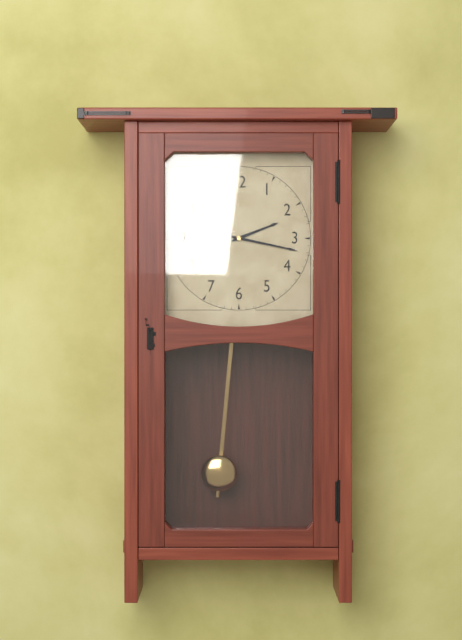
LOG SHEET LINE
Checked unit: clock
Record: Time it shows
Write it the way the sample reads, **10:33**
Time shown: **2:17**
